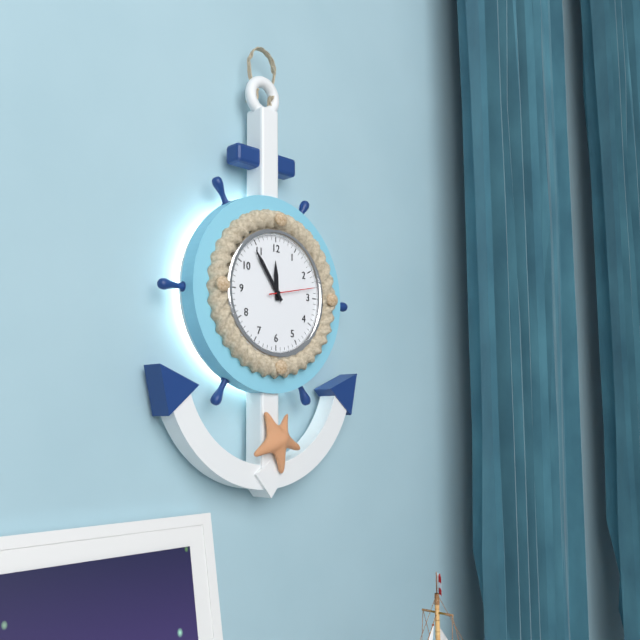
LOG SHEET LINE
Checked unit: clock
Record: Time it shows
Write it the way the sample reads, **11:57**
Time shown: **11:54**
